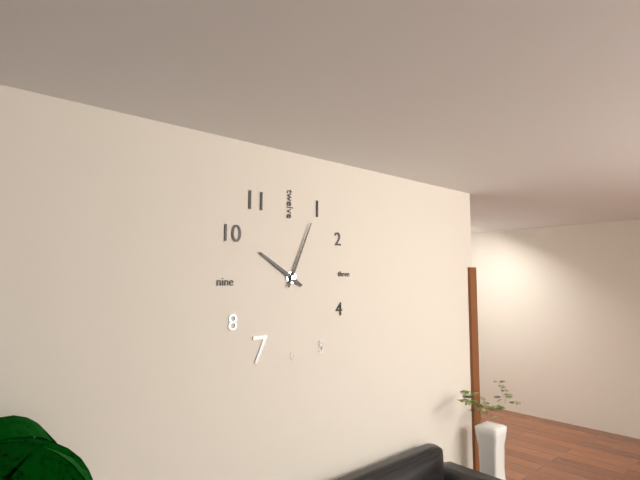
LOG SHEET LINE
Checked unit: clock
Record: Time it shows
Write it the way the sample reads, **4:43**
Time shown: **10:04**
